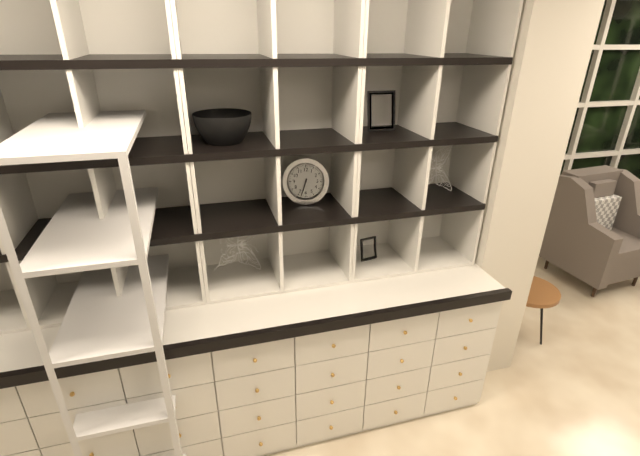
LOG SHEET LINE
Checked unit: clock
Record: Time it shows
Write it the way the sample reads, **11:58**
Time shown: **6:33**
